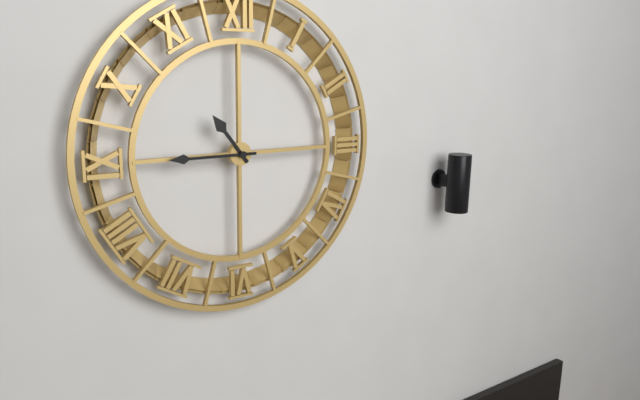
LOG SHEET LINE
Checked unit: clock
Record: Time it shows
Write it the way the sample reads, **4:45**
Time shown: **10:45**
